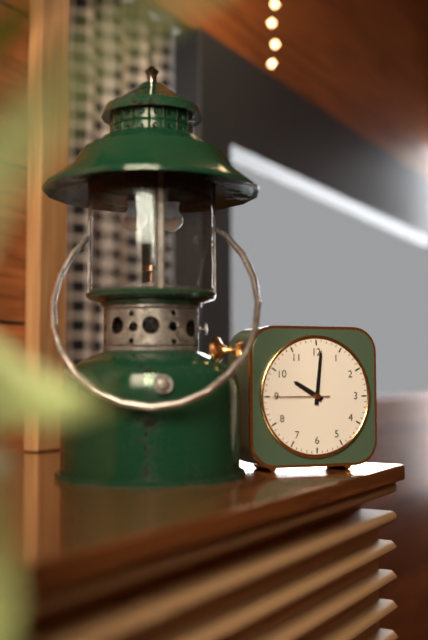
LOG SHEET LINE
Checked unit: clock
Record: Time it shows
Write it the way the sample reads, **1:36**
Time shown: **10:01**
